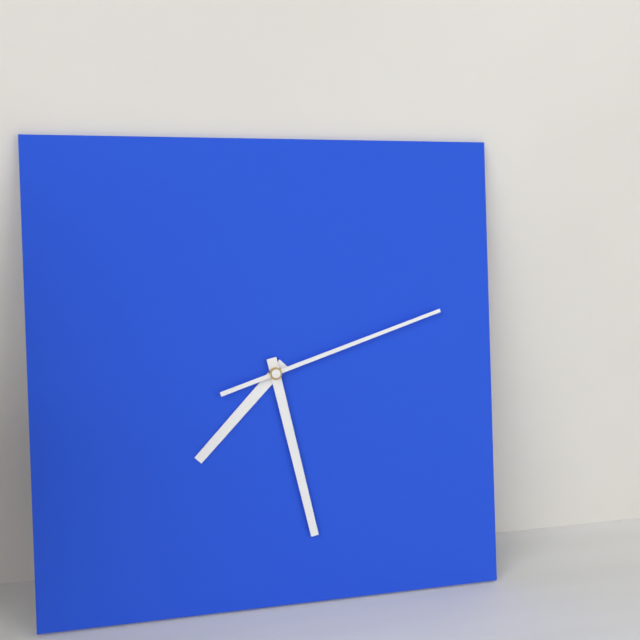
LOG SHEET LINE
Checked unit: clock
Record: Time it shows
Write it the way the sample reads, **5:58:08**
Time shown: **7:28:12**
